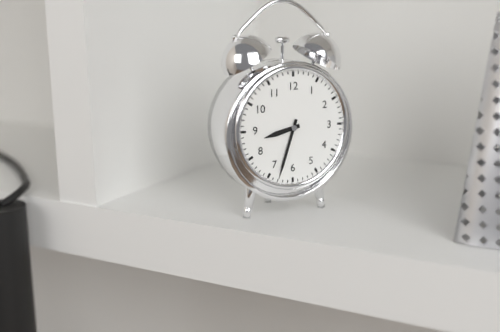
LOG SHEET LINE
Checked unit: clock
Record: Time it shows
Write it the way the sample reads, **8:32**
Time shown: **8:33**
